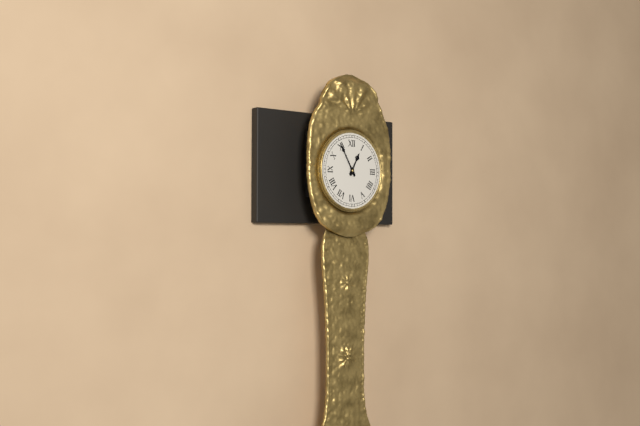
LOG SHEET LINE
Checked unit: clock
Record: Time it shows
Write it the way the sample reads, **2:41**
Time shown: **12:55**
